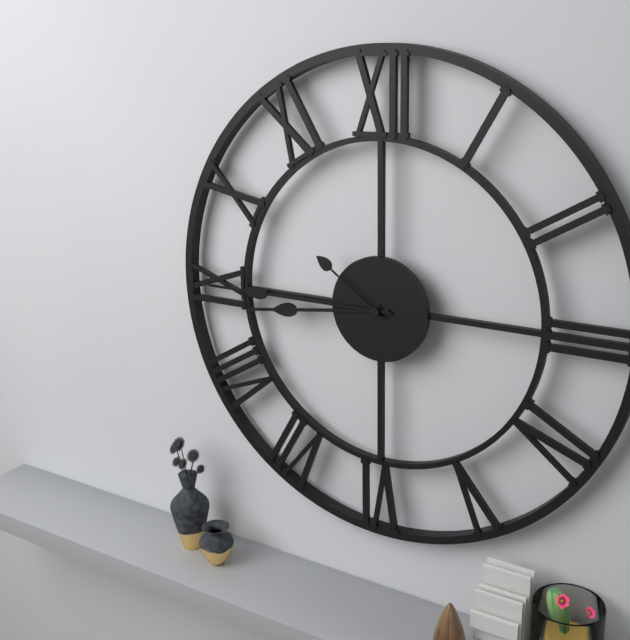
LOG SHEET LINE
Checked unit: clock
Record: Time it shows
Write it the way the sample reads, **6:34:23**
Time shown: **8:45:51**
